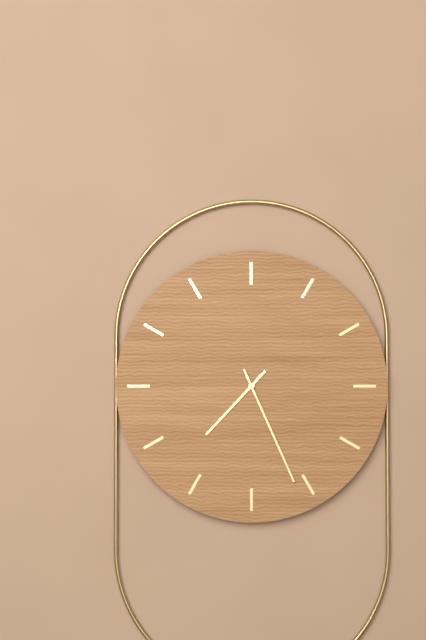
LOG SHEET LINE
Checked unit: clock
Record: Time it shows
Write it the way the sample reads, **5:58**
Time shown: **7:26**
